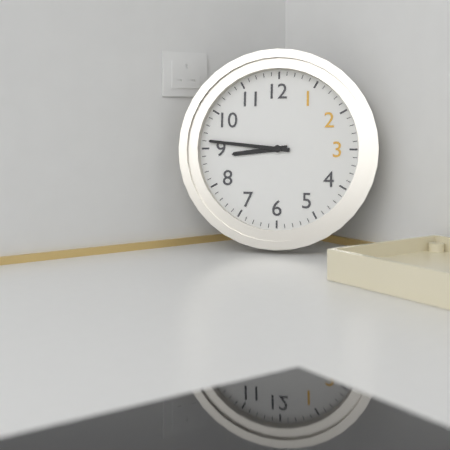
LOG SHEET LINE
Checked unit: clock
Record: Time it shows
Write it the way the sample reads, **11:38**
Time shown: **8:46**
